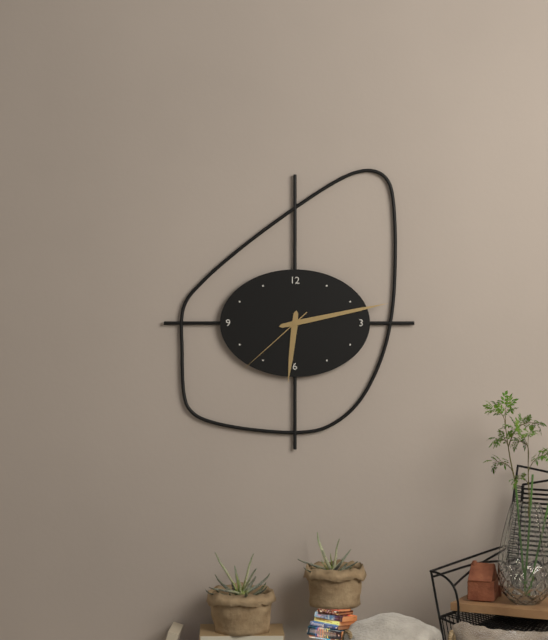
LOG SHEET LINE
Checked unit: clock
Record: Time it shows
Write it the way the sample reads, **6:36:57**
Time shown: **6:13:38**
